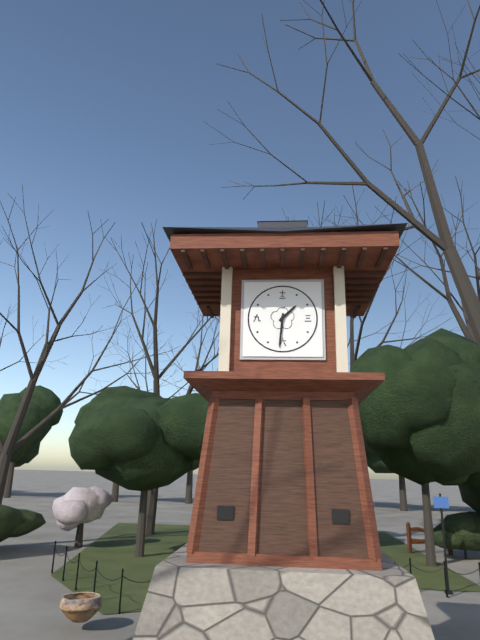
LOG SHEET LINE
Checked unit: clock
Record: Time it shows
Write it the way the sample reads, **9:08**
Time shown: **1:31**
